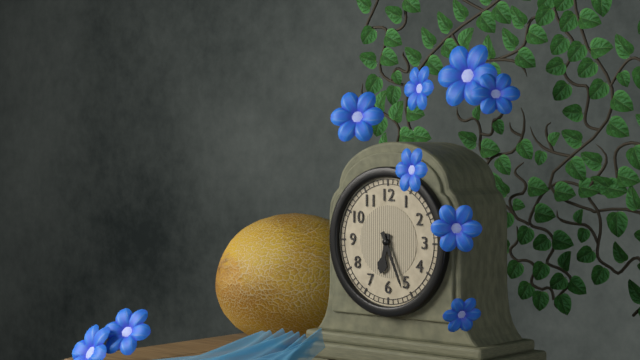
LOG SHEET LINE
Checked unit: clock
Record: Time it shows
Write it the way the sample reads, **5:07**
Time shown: **6:26**
